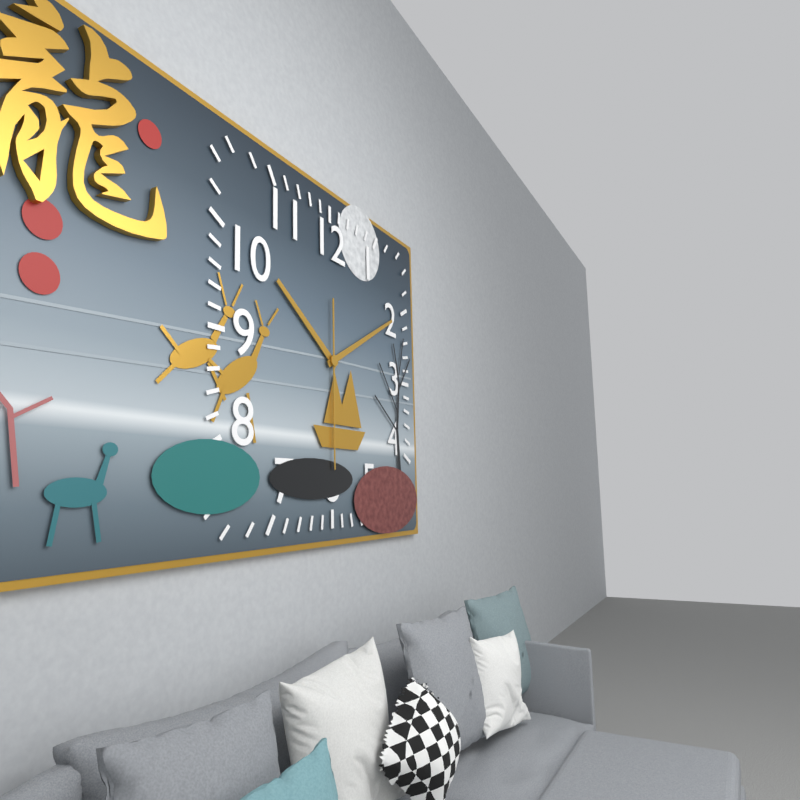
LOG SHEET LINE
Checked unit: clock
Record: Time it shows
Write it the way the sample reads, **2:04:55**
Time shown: **10:10:30**
